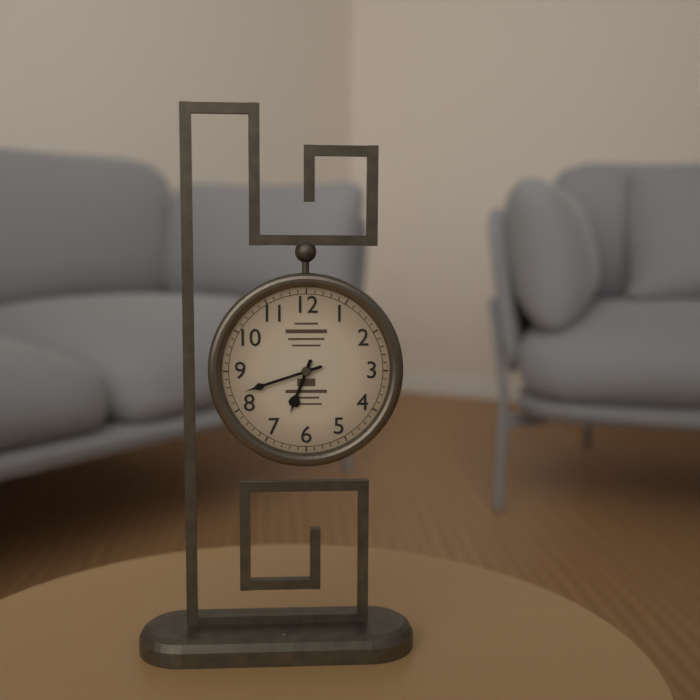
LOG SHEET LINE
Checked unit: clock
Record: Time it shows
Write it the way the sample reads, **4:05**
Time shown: **6:42**
